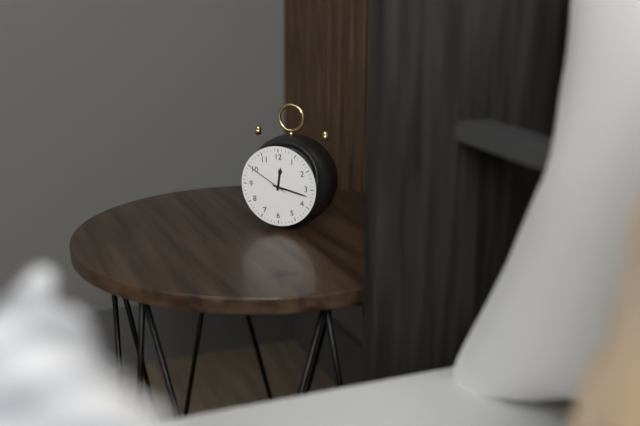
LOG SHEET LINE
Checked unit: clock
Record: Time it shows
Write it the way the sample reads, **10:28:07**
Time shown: **12:17:50**
